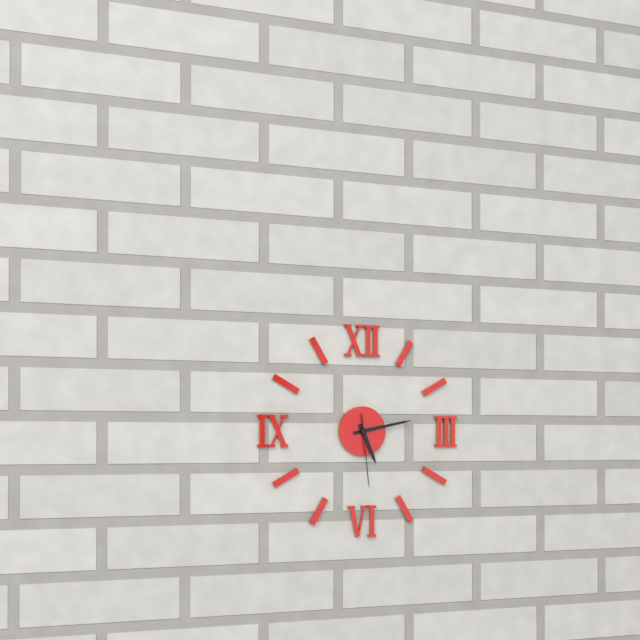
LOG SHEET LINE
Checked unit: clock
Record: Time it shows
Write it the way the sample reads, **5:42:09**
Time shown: **5:13:29**
